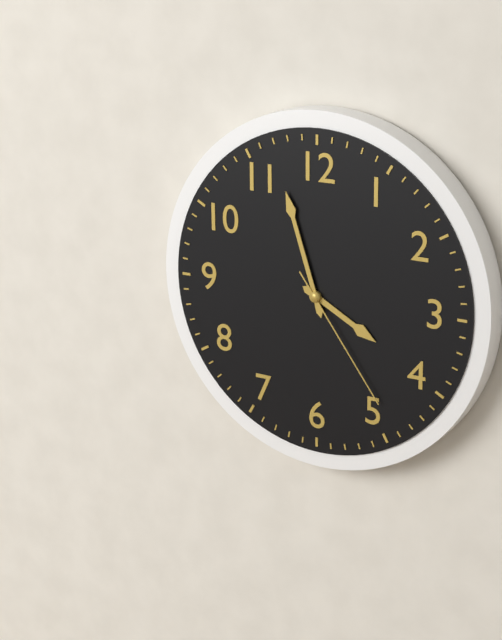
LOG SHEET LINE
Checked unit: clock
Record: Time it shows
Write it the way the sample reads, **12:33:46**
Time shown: **3:57:24**
